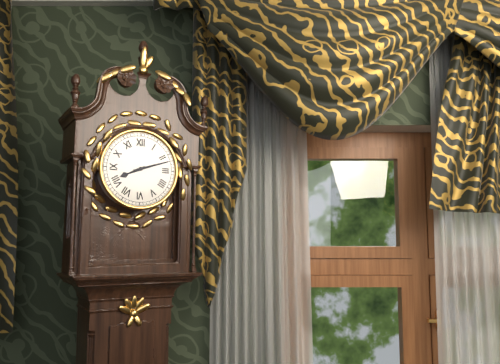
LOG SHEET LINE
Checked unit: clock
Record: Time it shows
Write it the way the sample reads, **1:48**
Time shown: **8:12**
